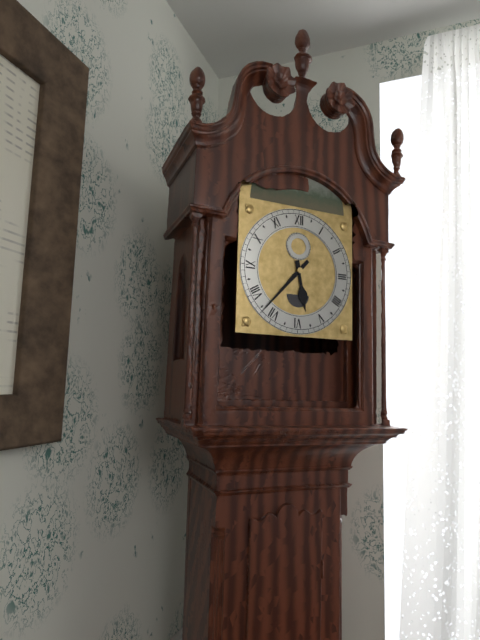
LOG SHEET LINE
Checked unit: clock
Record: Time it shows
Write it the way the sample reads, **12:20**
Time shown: **5:37**
